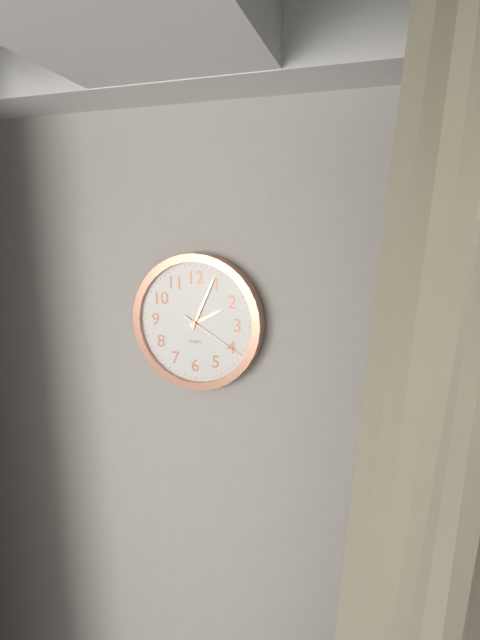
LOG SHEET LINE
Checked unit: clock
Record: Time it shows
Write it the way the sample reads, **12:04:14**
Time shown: **2:04:20**
